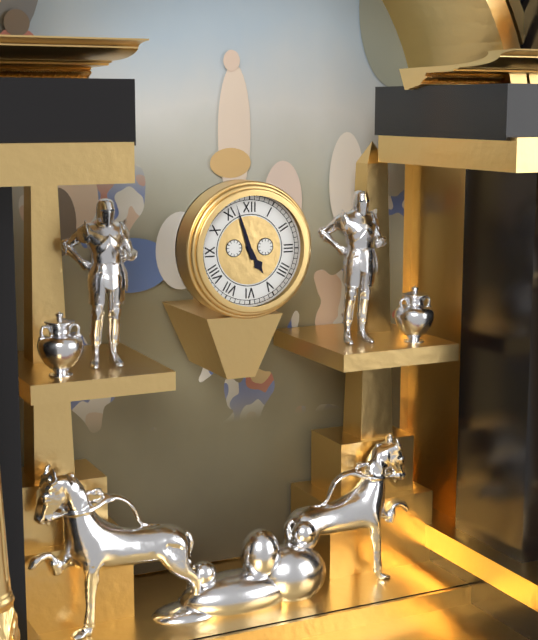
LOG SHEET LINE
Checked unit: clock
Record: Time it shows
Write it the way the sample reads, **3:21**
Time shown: **4:57**
